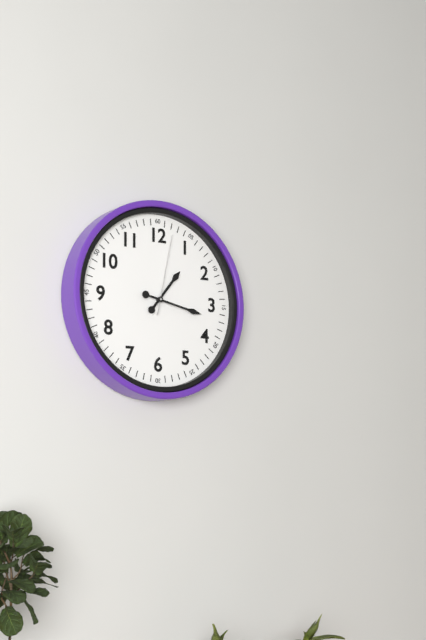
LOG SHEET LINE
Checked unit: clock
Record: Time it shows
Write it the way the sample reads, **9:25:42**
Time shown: **1:17:02**
